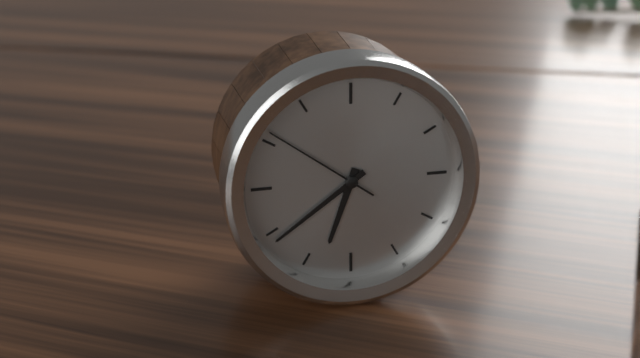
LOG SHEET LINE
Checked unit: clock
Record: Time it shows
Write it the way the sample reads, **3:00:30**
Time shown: **6:39:51**
